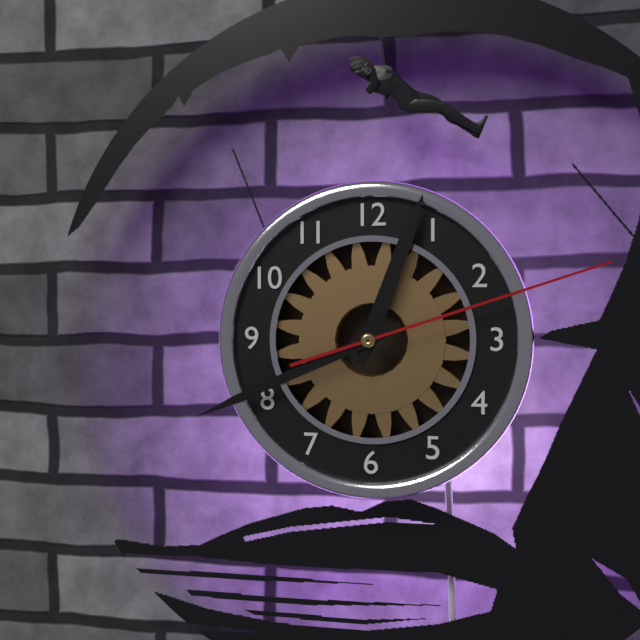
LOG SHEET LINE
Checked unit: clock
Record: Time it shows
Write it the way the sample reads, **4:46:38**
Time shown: **12:41:12**
